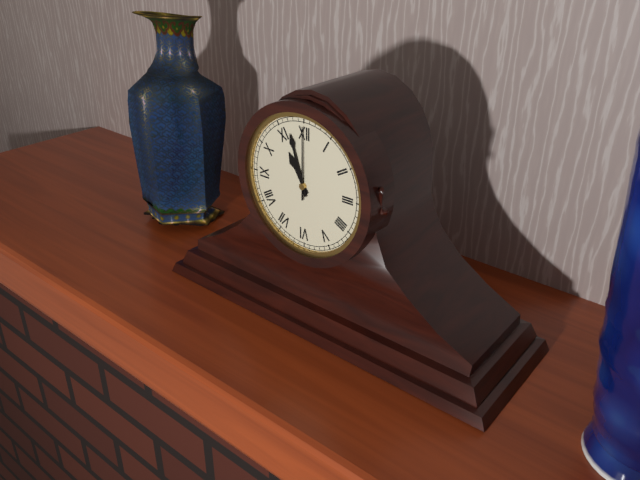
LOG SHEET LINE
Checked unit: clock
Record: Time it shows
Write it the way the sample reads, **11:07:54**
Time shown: **10:57:00**
